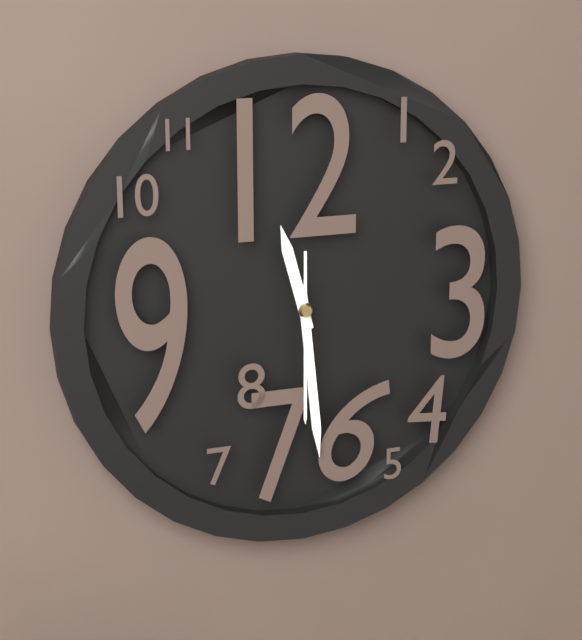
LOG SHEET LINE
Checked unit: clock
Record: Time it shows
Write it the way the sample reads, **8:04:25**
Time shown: **11:29:30**
